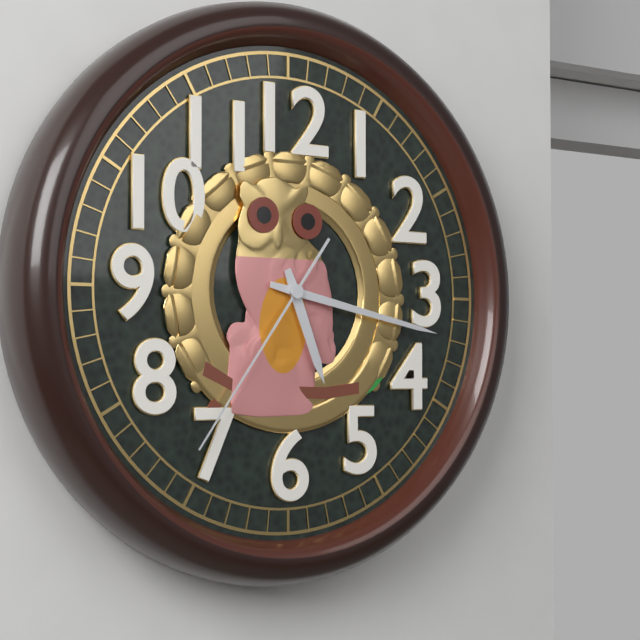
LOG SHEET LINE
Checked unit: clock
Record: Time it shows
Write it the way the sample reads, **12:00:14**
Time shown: **5:17:36**
